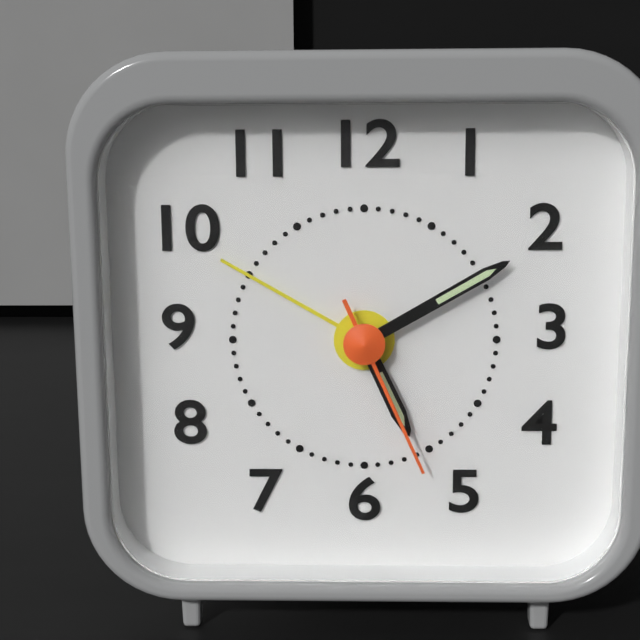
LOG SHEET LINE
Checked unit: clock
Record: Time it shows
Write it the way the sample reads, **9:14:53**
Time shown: **5:10:26**
